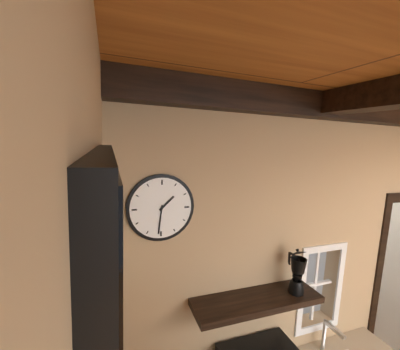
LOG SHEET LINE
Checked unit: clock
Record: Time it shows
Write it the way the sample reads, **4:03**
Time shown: **1:31**
